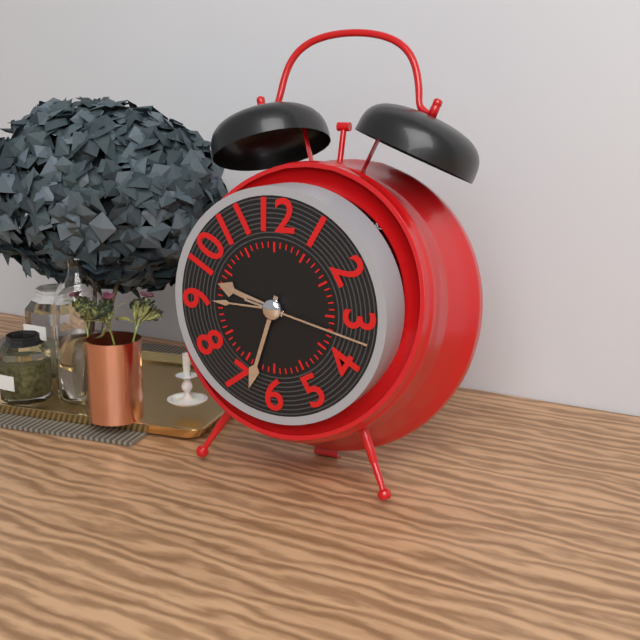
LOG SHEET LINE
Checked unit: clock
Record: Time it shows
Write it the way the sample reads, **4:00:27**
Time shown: **9:33:17**
